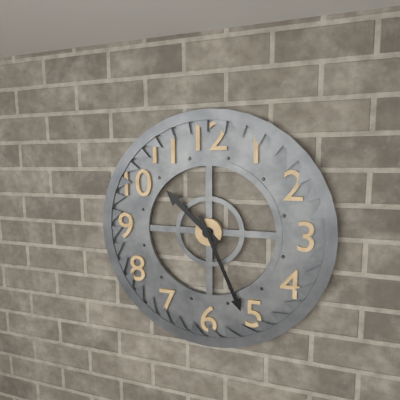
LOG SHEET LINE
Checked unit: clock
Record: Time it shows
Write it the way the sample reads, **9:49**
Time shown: **10:26**
